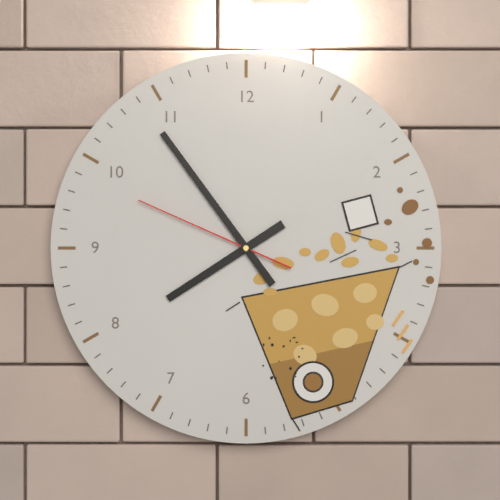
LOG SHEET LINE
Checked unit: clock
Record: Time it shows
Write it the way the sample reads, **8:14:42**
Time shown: **7:54:49**
